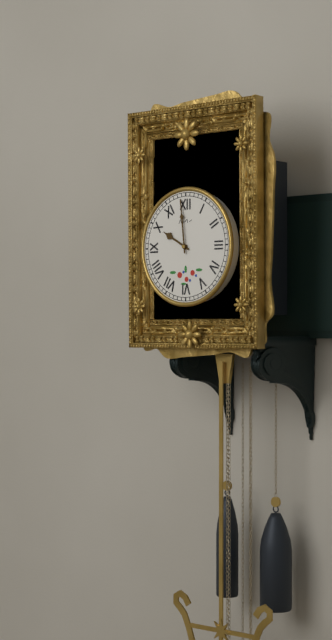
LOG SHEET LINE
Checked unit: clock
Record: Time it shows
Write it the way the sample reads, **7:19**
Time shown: **9:59**
